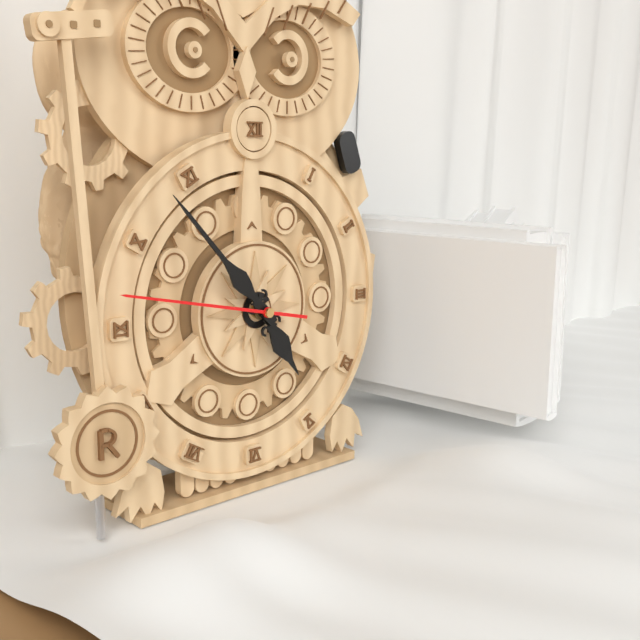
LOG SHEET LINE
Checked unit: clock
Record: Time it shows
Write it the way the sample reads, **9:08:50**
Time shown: **4:53:47**
